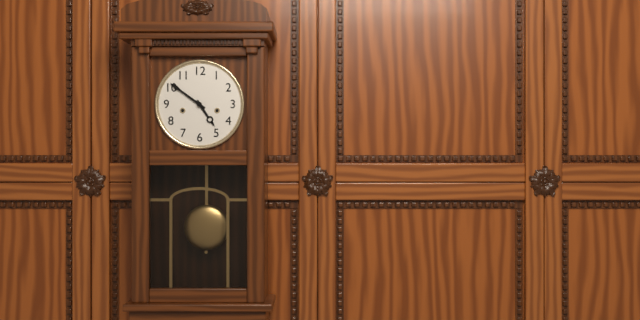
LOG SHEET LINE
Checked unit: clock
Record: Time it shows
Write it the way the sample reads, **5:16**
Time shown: **4:51**
